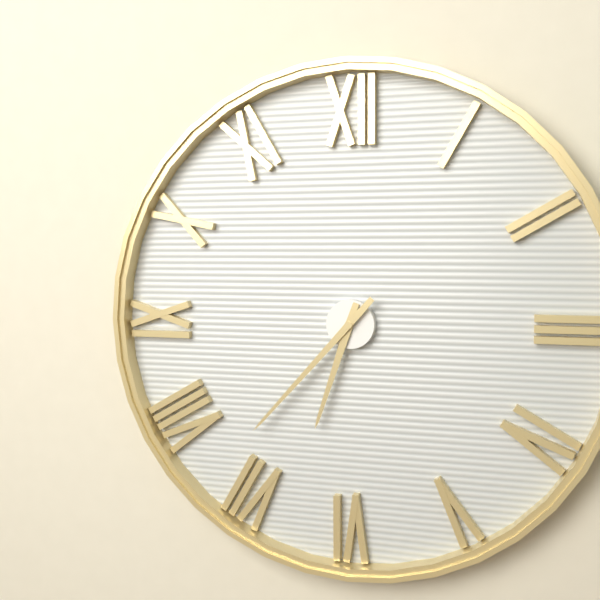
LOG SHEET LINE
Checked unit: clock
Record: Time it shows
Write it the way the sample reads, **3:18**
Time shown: **6:37**
